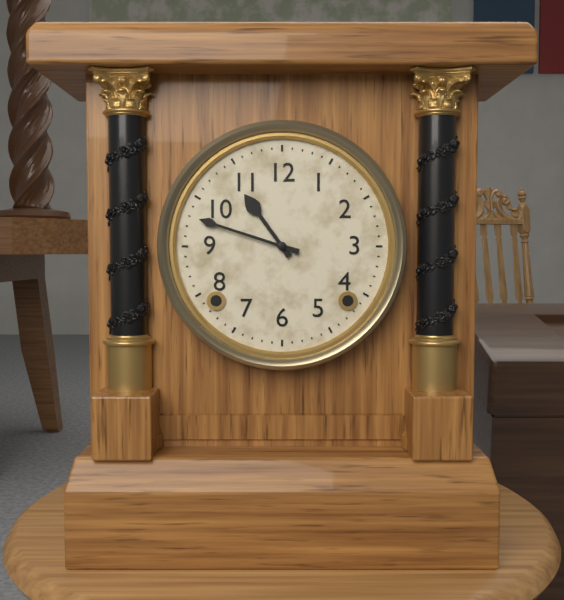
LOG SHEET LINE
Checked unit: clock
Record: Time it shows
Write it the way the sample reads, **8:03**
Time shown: **10:48**
